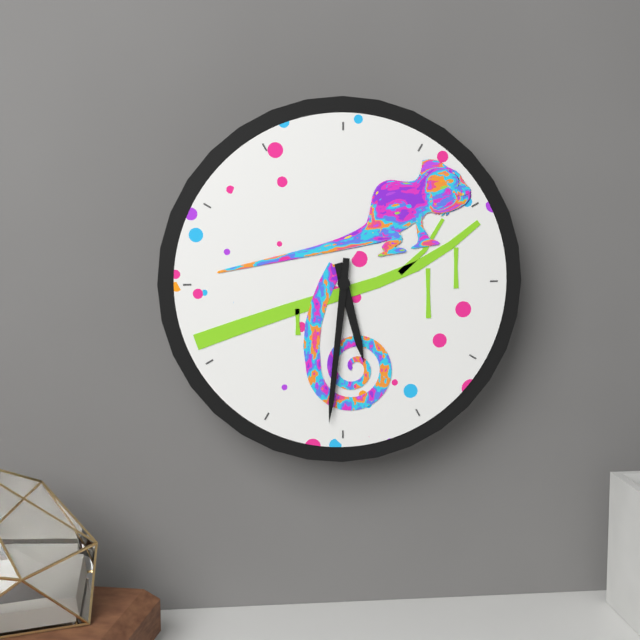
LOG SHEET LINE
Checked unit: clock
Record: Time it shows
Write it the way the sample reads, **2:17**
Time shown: **5:31**
